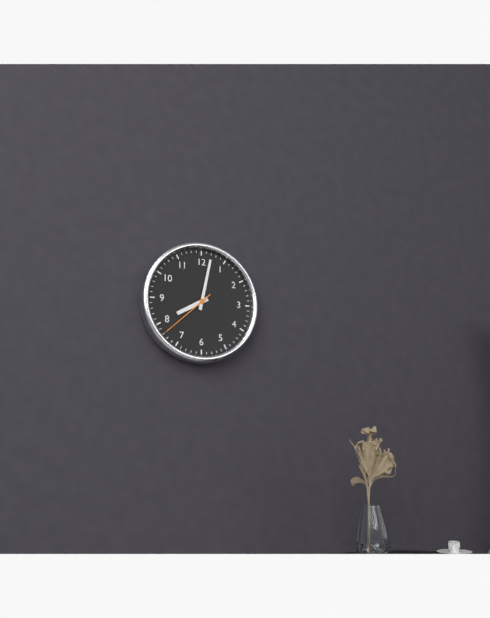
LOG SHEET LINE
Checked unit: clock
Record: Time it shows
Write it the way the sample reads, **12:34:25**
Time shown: **8:02:38**
